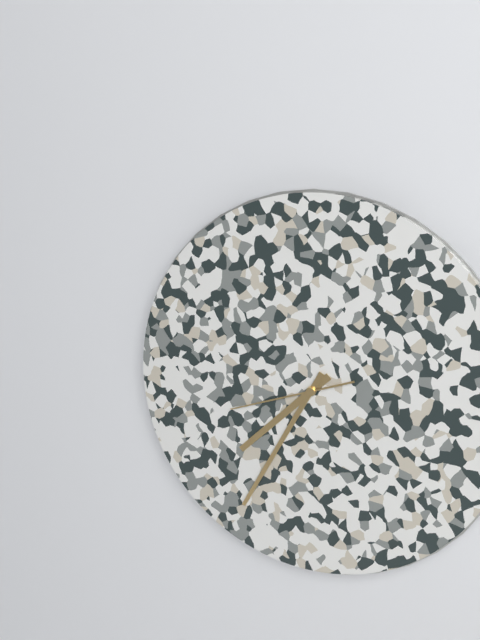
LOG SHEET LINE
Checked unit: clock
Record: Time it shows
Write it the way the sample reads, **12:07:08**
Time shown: **7:35:42**
